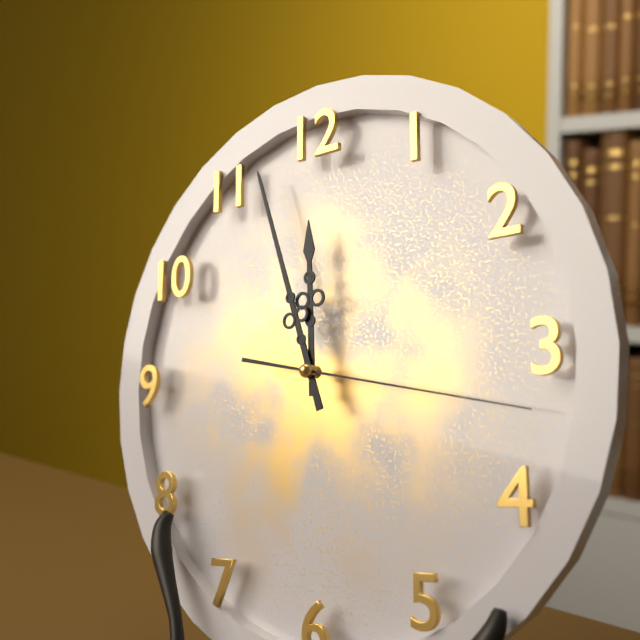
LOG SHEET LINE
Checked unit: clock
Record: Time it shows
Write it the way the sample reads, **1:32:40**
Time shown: **11:57:17**
